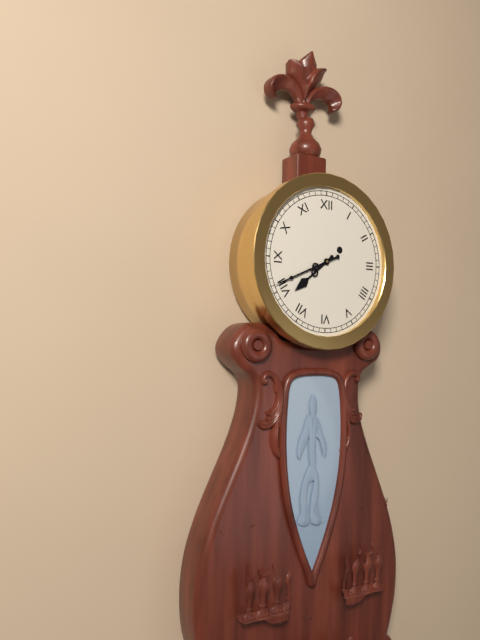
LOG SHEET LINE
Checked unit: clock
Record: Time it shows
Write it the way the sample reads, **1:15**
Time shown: **7:41**
